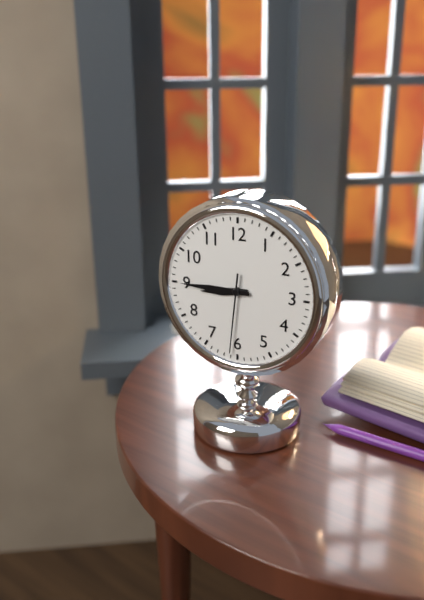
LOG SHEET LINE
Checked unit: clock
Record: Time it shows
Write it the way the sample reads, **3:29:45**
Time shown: **8:45:31**
